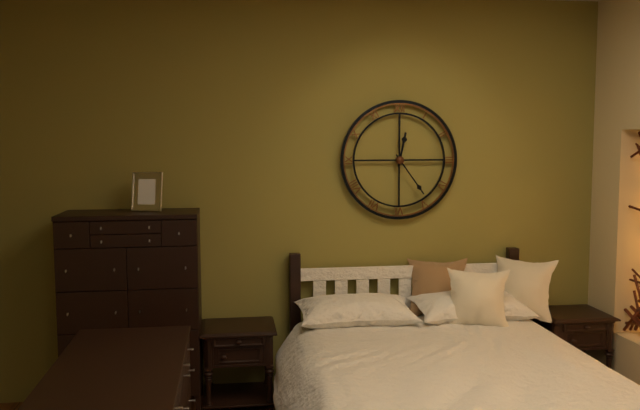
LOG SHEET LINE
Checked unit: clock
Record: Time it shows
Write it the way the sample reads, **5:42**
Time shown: **12:24**
